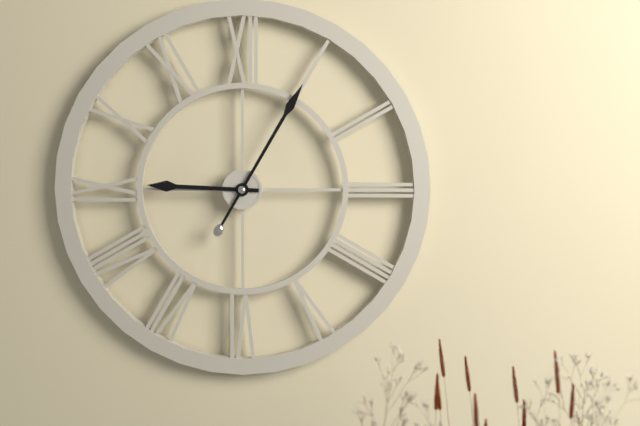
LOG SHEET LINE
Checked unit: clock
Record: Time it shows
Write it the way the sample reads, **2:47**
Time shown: **9:05**
